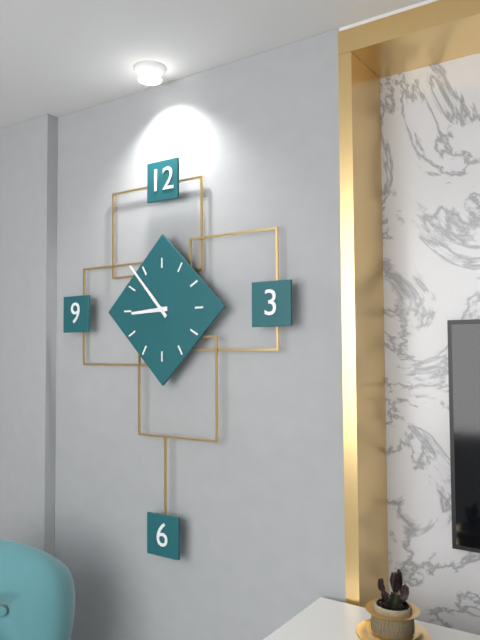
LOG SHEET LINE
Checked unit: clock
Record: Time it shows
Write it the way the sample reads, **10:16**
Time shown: **8:53**
